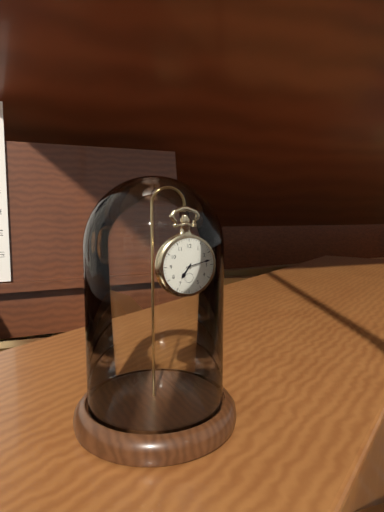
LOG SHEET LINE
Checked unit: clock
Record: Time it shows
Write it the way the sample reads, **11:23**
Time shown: **7:13**
